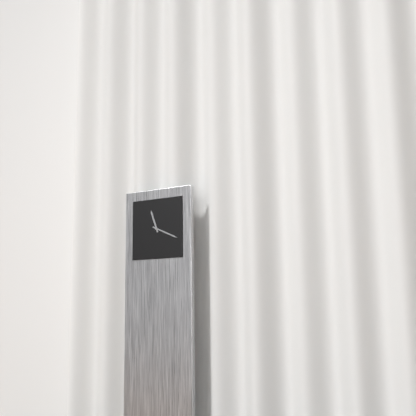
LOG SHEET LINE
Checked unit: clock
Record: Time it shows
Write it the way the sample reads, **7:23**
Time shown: **11:19**
